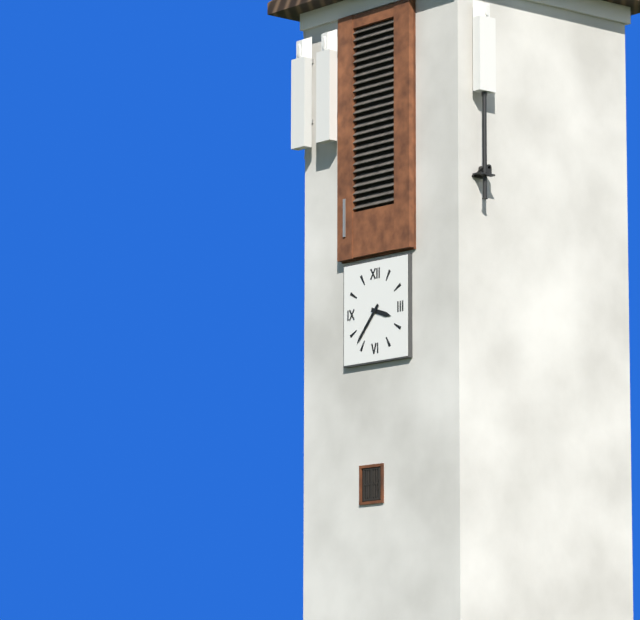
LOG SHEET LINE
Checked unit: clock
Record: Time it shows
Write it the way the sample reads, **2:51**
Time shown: **3:37**
